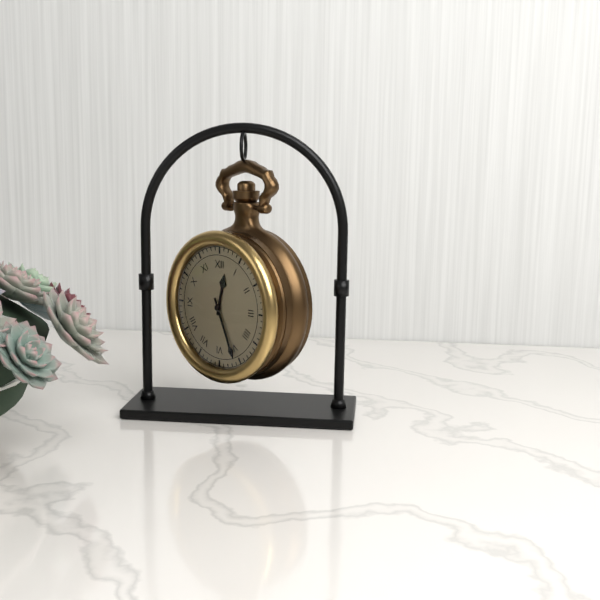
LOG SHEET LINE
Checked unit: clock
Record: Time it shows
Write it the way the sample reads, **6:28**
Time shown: **12:26**
